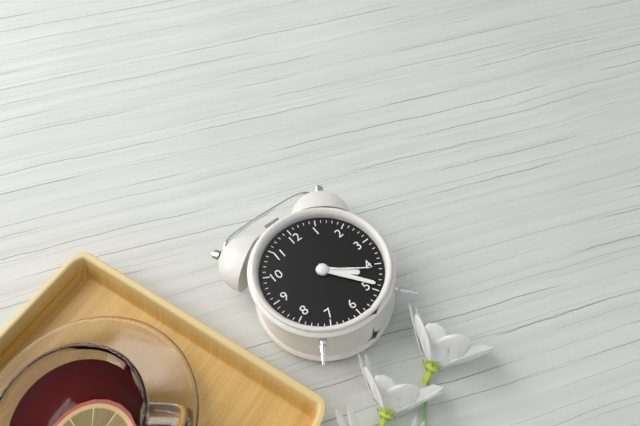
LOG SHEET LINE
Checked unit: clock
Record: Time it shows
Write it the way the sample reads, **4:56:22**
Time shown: **4:24:21**
